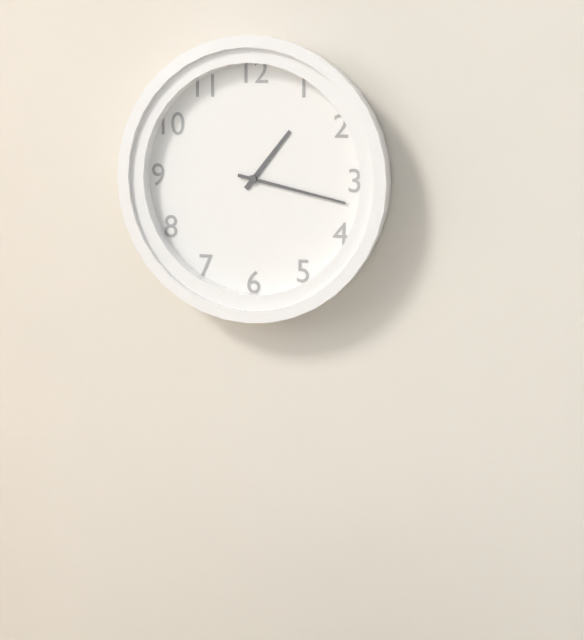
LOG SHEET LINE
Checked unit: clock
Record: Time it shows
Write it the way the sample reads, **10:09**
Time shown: **1:17**
